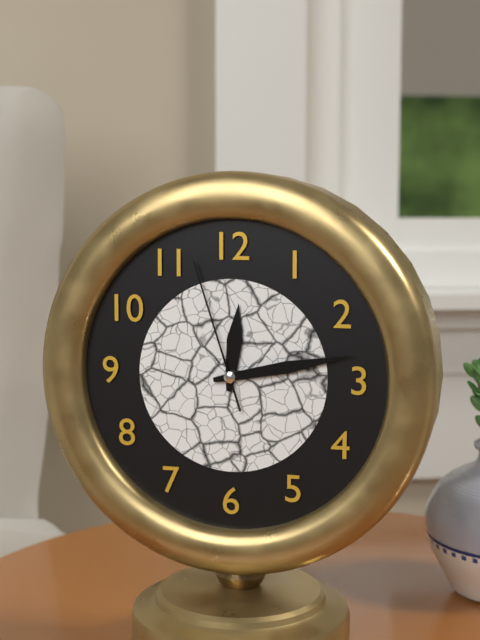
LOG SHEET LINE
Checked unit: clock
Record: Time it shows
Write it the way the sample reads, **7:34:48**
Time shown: **12:13:57**
